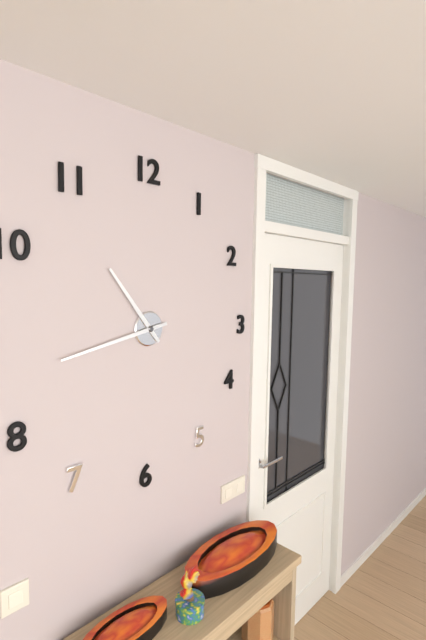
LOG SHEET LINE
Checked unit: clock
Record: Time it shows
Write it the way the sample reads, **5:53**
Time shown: **10:43**
